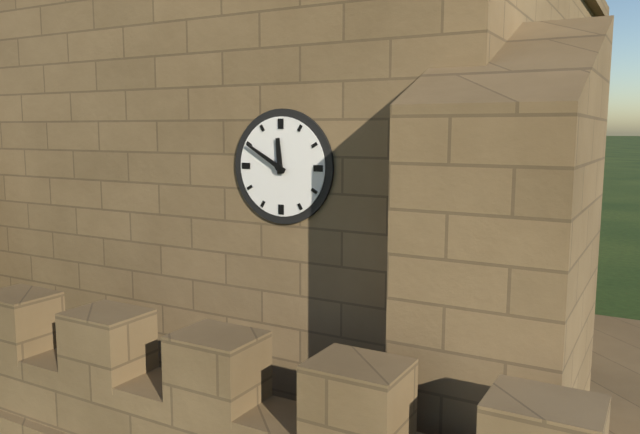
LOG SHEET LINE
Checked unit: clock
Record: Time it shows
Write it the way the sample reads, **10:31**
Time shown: **11:50**
